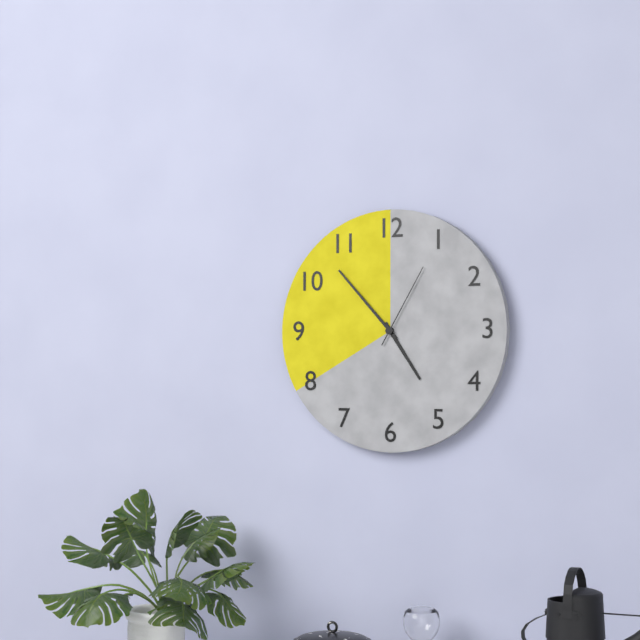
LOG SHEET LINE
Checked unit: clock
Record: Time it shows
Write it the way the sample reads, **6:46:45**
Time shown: **4:53:05**
